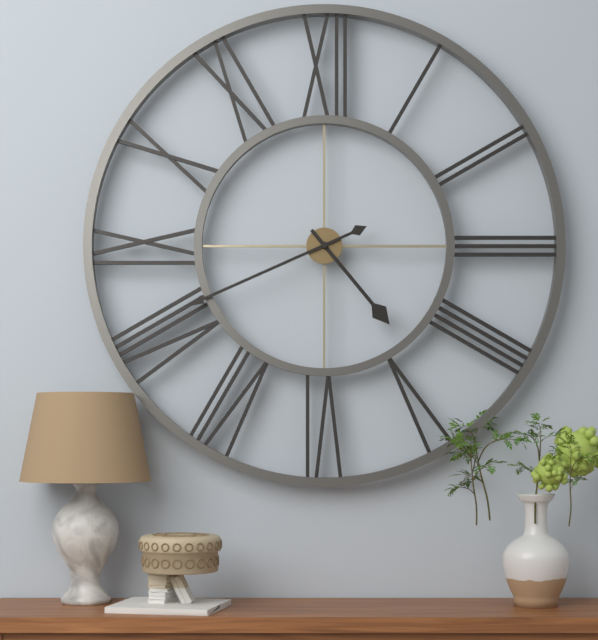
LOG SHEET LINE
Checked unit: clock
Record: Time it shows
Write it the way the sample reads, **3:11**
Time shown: **4:41**
